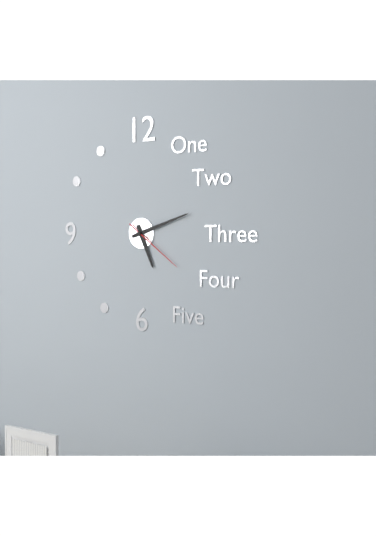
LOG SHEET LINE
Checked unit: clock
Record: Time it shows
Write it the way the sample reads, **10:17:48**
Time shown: **5:12:21**
